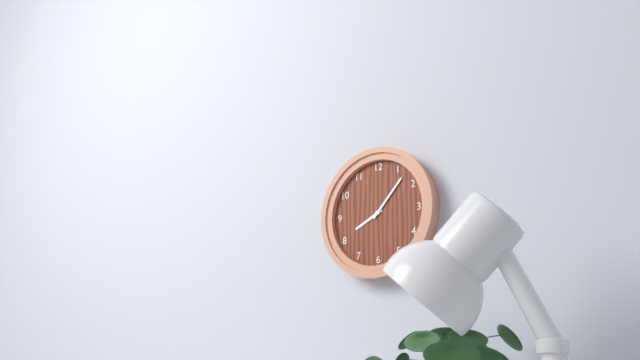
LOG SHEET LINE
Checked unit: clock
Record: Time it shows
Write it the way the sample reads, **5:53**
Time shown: **8:07**
